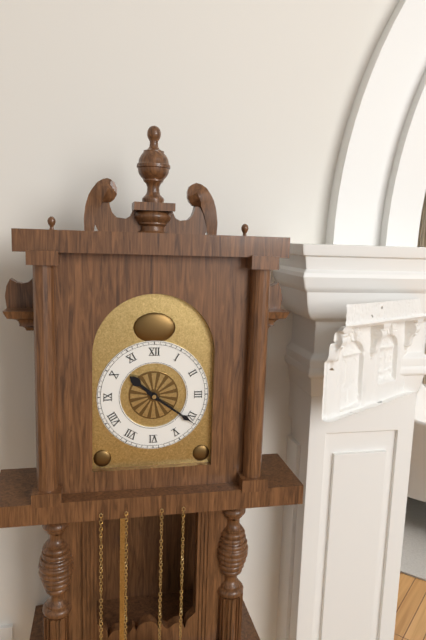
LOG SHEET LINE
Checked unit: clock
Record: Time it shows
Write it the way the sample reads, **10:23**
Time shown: **10:21**
